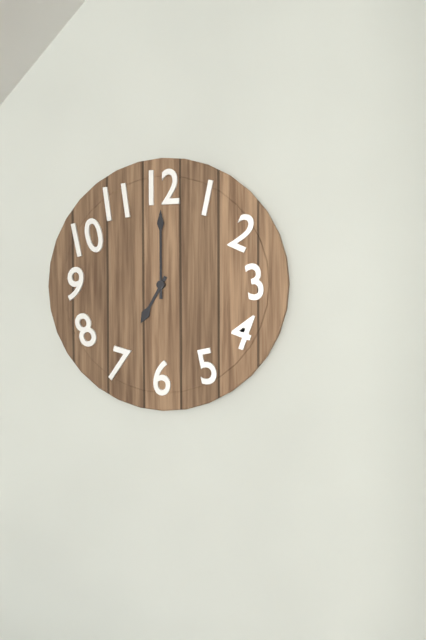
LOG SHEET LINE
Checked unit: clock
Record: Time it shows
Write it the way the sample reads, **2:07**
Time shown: **7:00**
